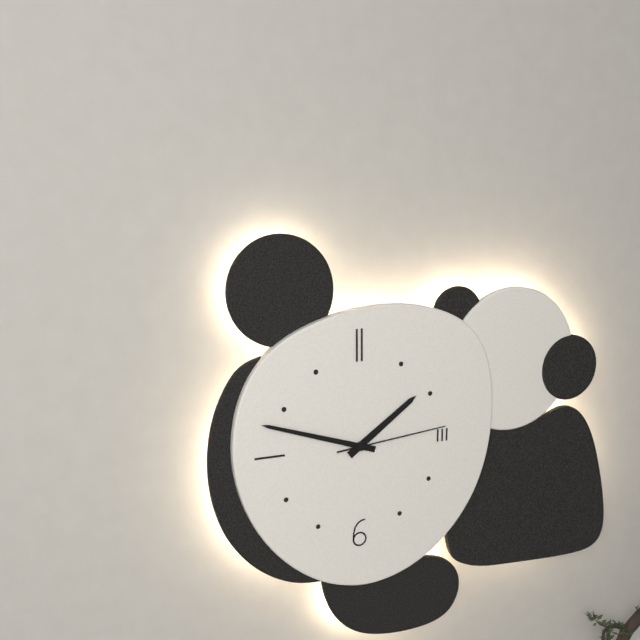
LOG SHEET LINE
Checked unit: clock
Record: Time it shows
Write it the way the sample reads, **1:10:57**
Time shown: **1:48:14**
